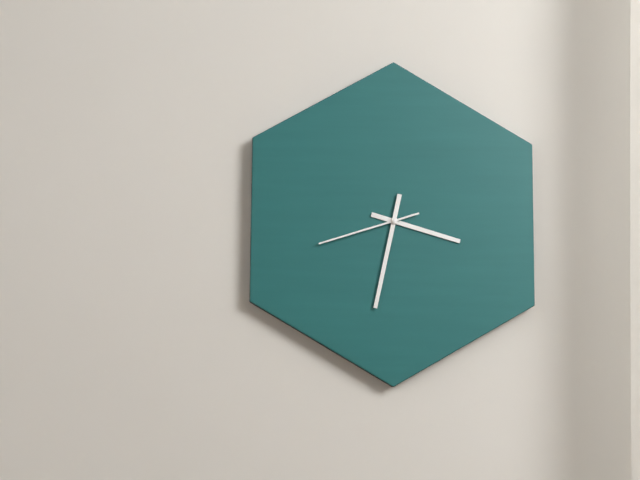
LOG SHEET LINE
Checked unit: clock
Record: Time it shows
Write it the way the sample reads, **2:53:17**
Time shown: **3:32:42**
